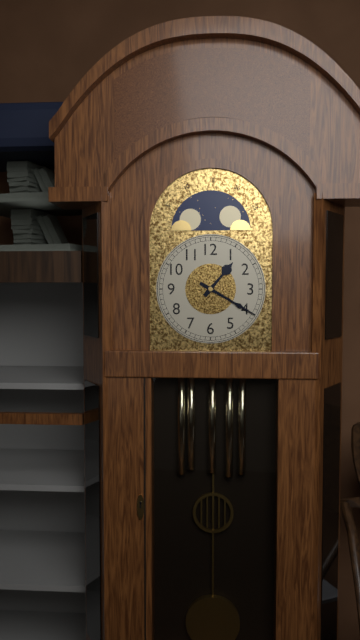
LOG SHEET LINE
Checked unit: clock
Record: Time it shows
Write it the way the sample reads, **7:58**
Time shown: **1:20**
